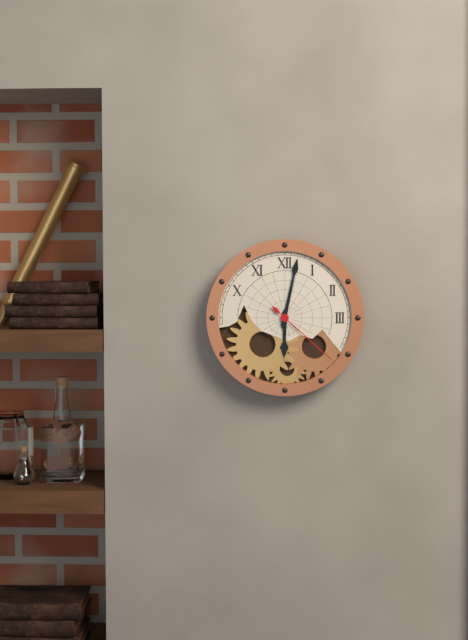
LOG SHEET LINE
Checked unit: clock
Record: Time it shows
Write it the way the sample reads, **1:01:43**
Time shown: **6:02:22**
